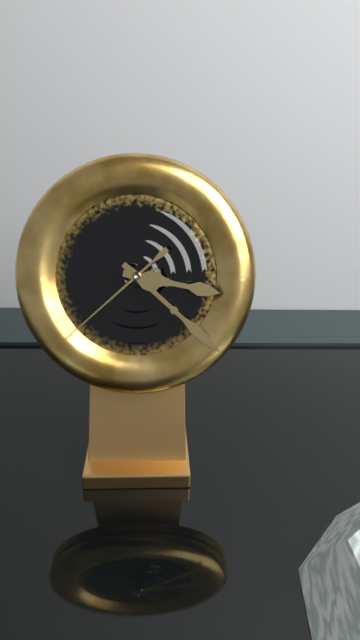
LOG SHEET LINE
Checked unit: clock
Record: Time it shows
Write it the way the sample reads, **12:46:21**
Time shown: **3:22:38**
